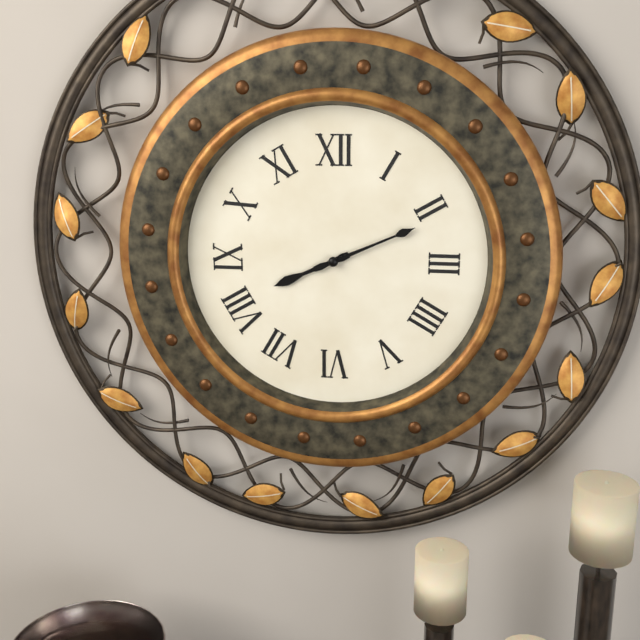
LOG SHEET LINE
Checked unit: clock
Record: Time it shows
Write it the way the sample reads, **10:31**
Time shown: **8:11**
